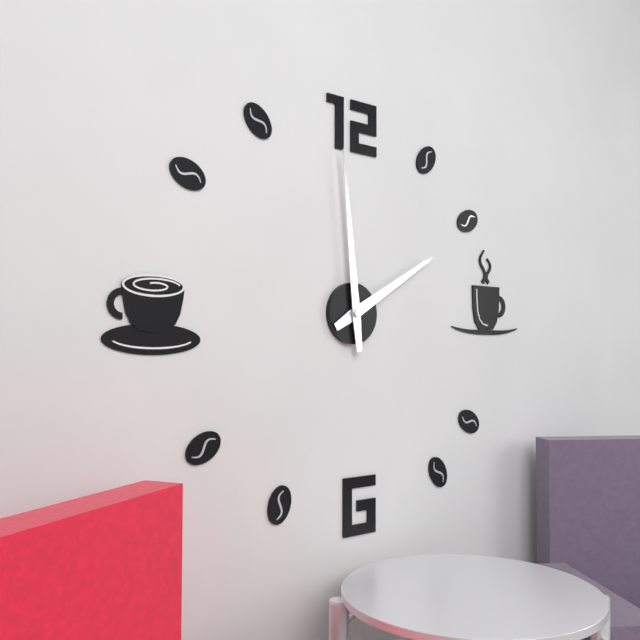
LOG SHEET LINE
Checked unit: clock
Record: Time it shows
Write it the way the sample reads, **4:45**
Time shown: **1:59**
